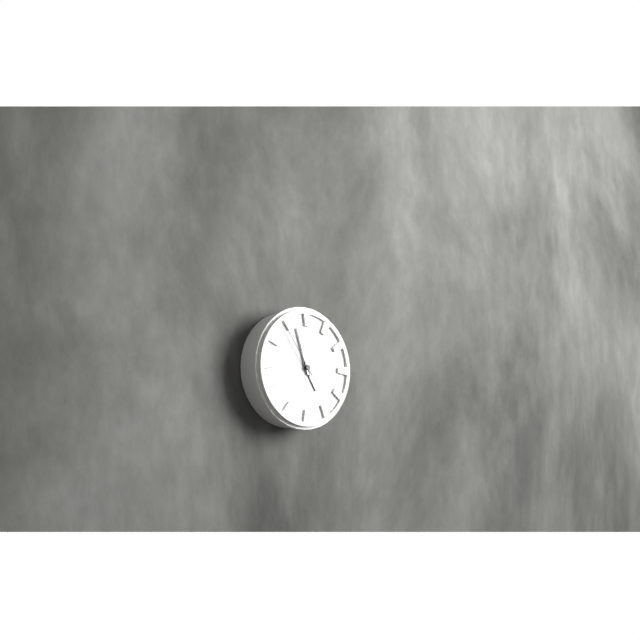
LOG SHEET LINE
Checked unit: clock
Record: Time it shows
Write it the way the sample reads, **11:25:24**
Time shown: **4:57:54**
